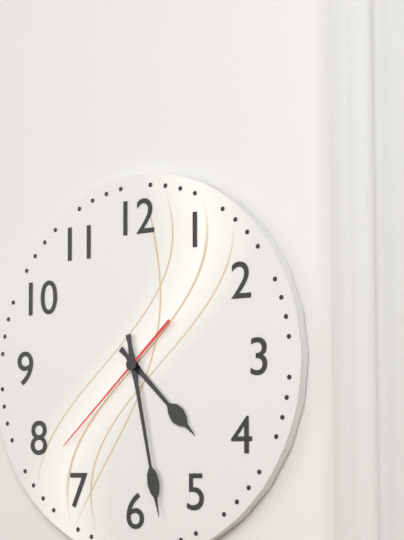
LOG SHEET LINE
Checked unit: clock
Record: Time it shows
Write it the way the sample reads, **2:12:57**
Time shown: **4:28:38**
